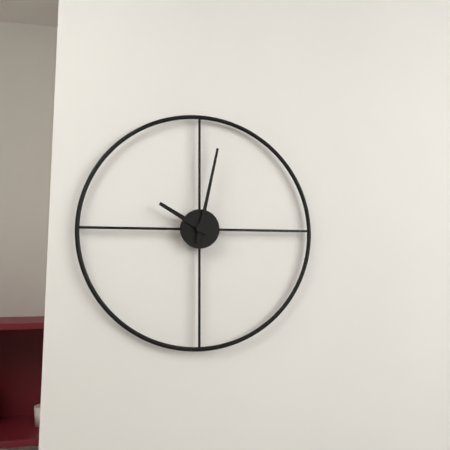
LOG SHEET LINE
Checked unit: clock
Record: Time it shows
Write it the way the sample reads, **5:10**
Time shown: **10:02**
